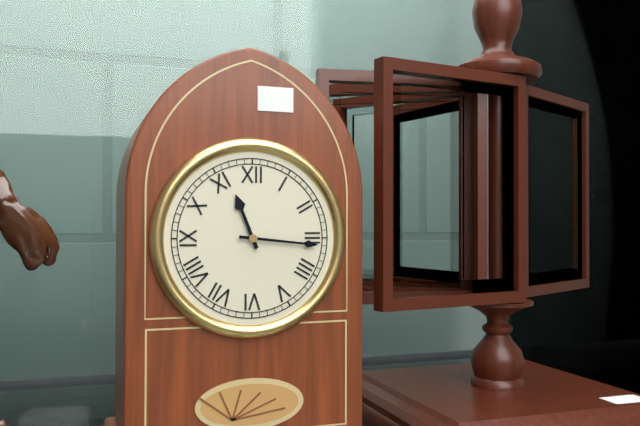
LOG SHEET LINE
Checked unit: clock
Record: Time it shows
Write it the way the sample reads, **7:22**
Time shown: **11:16**
